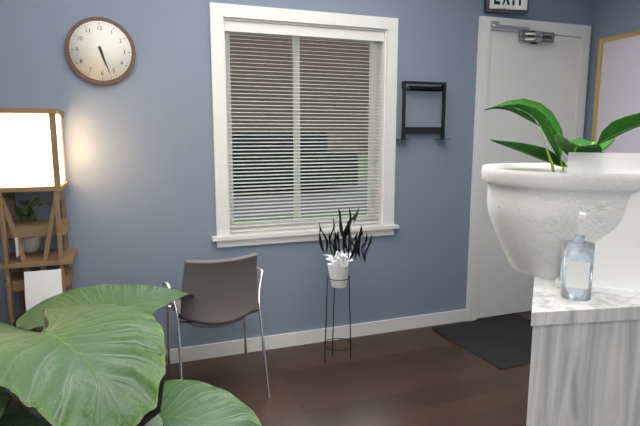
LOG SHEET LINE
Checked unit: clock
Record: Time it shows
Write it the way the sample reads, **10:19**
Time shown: **5:27**
